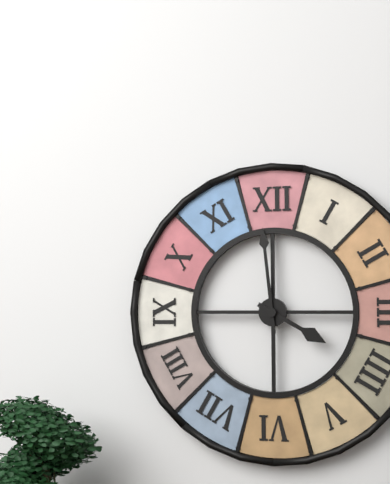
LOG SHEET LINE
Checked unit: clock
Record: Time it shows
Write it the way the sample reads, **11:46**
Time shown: **3:59**
